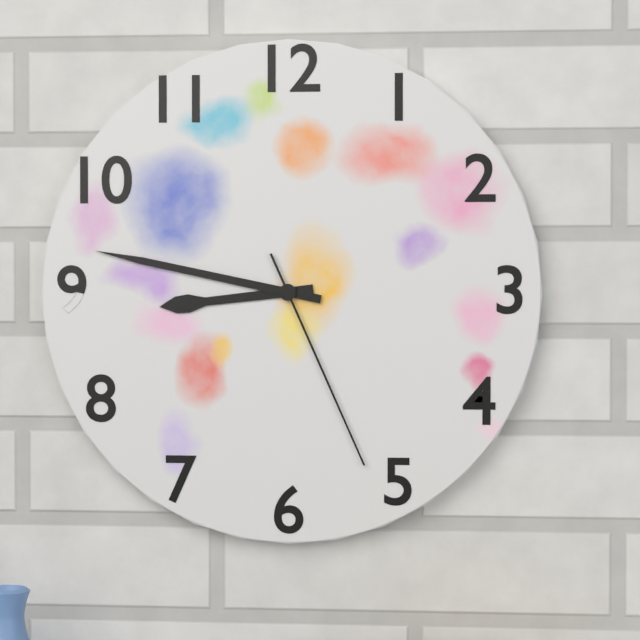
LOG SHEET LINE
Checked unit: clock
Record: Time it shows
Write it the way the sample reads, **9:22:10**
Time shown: **8:47:26**
